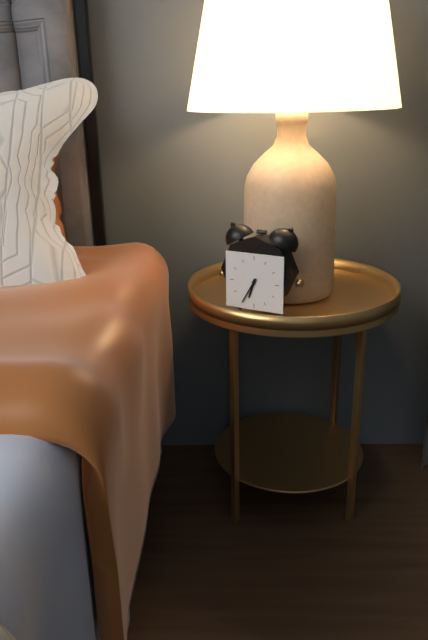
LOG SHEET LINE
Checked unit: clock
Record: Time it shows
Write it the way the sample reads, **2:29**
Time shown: **6:35**
